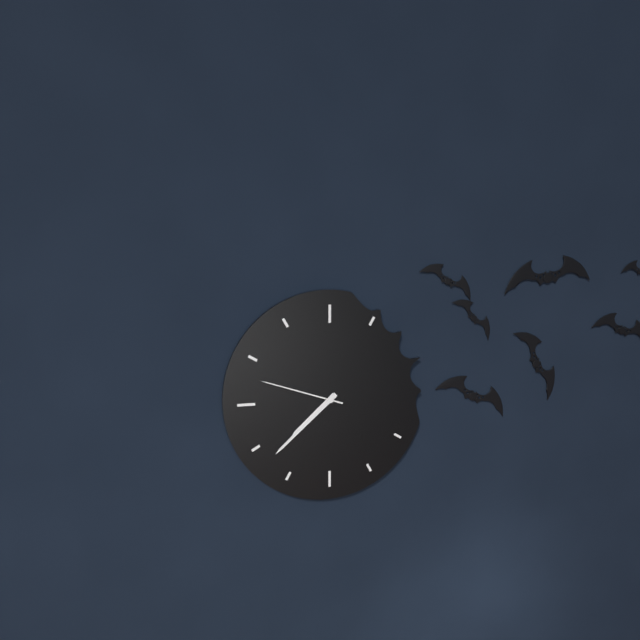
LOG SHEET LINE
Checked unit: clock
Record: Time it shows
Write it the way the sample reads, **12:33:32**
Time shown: **7:38:48**
